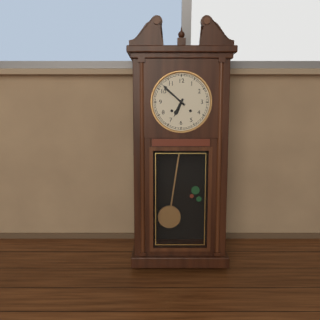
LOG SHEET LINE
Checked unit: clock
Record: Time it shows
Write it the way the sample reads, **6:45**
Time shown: **6:52**
